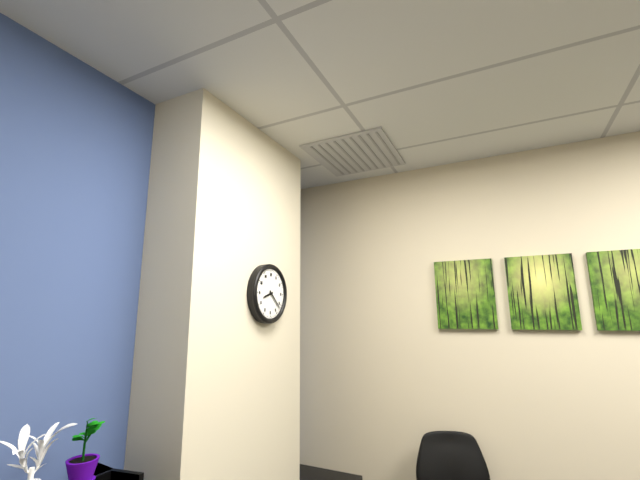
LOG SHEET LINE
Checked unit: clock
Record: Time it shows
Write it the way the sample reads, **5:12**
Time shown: **8:22**
